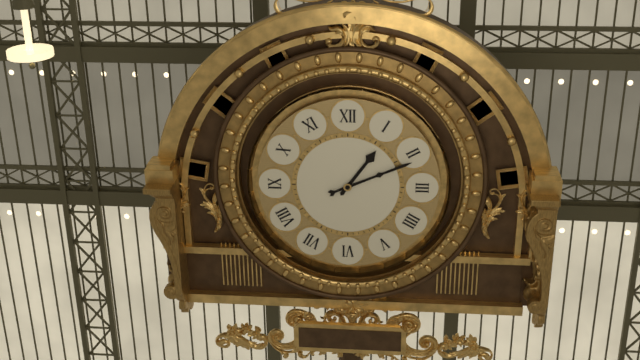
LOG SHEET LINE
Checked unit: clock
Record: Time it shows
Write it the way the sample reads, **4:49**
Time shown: **1:11**
